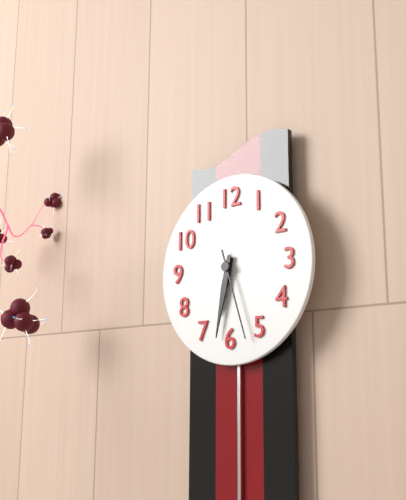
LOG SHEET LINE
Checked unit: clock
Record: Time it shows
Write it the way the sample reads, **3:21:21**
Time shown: **6:32:27**
